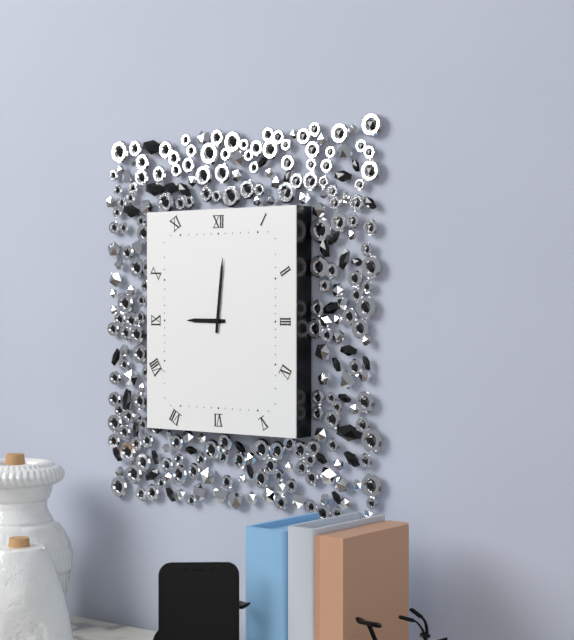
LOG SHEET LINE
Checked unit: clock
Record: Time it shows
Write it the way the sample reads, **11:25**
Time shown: **9:01**
